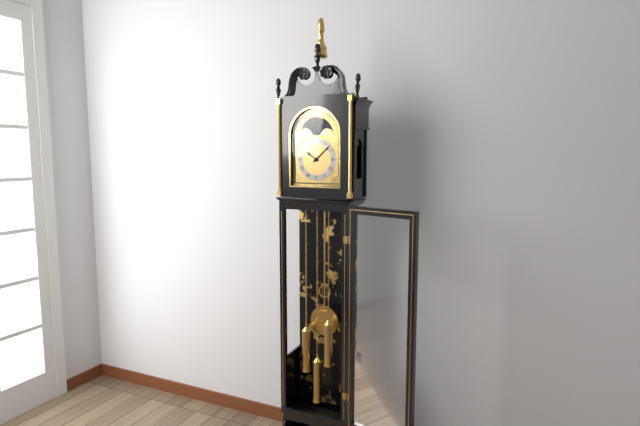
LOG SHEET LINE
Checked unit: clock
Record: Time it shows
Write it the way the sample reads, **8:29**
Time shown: **10:08**
